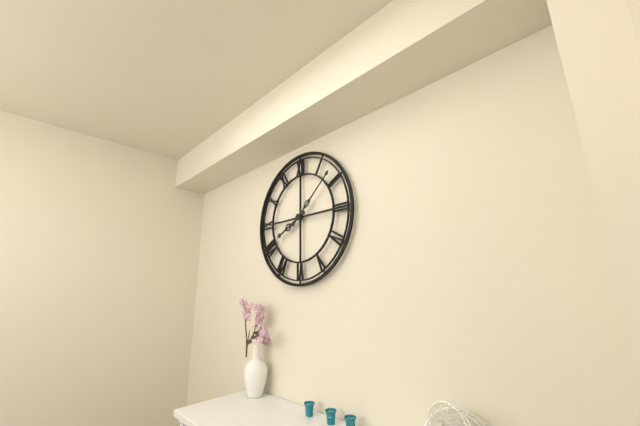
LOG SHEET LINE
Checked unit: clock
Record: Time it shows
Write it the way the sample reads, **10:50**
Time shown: **8:08**
